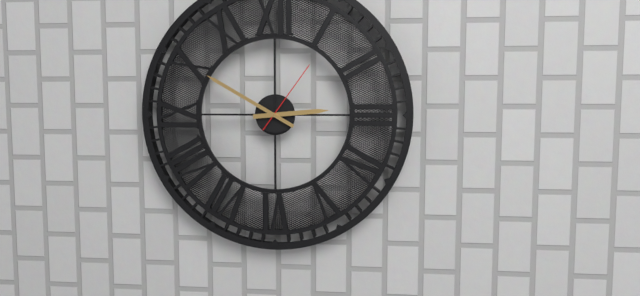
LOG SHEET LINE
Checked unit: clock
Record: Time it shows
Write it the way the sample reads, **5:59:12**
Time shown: **2:50:06**
